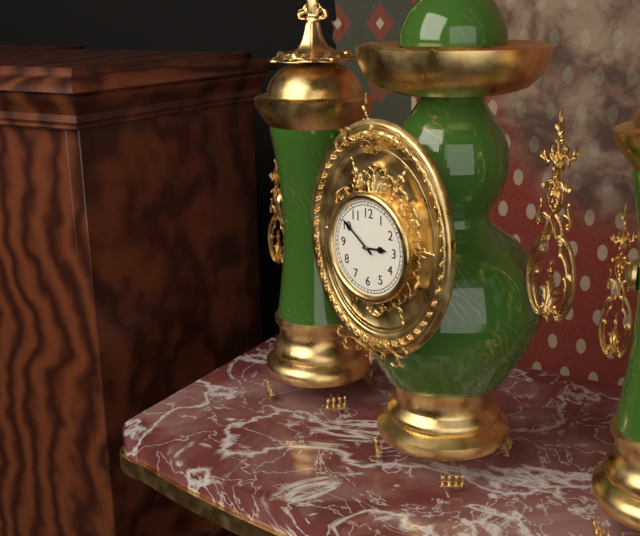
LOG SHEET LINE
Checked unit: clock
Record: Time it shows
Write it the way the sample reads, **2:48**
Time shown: **2:51**
